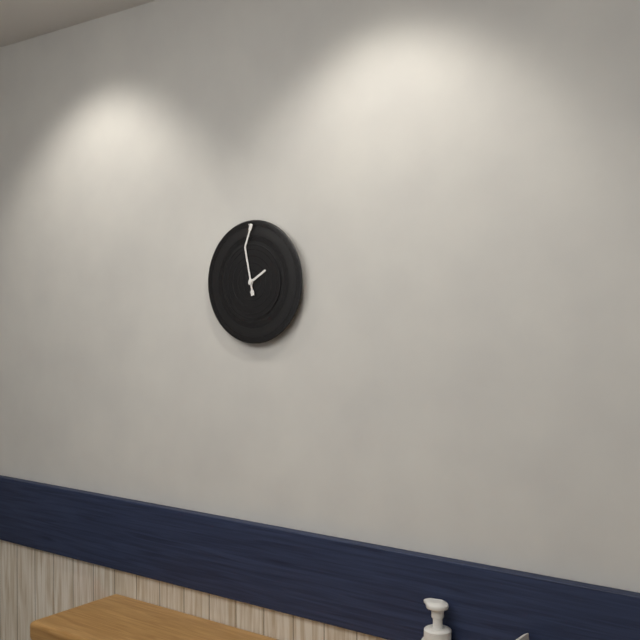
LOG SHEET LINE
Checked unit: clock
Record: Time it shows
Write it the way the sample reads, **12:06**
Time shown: **1:58**
